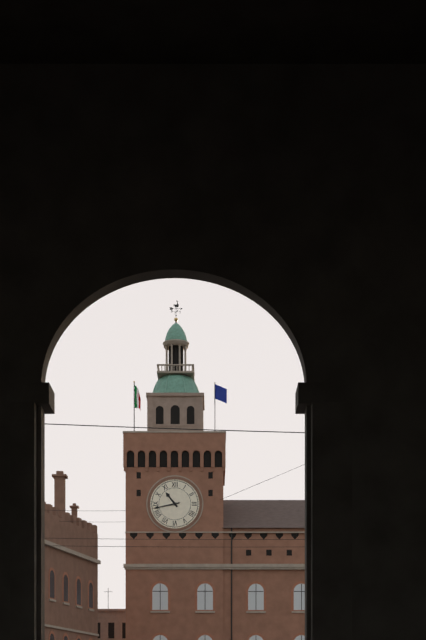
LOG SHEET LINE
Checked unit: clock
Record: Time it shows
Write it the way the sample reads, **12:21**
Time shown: **10:43**
